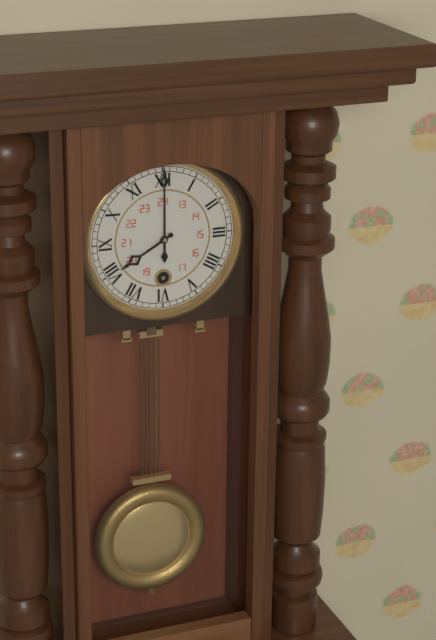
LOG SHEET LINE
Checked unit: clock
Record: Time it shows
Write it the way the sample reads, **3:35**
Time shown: **8:00**
